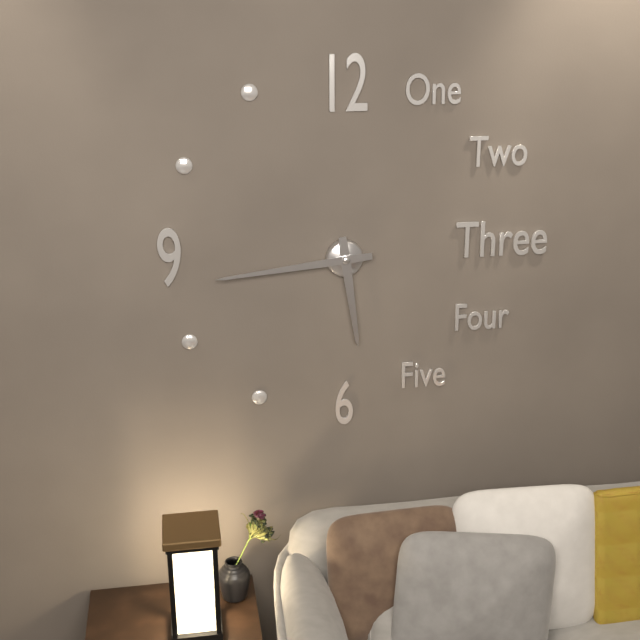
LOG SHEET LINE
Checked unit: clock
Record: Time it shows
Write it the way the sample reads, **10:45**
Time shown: **5:44**
